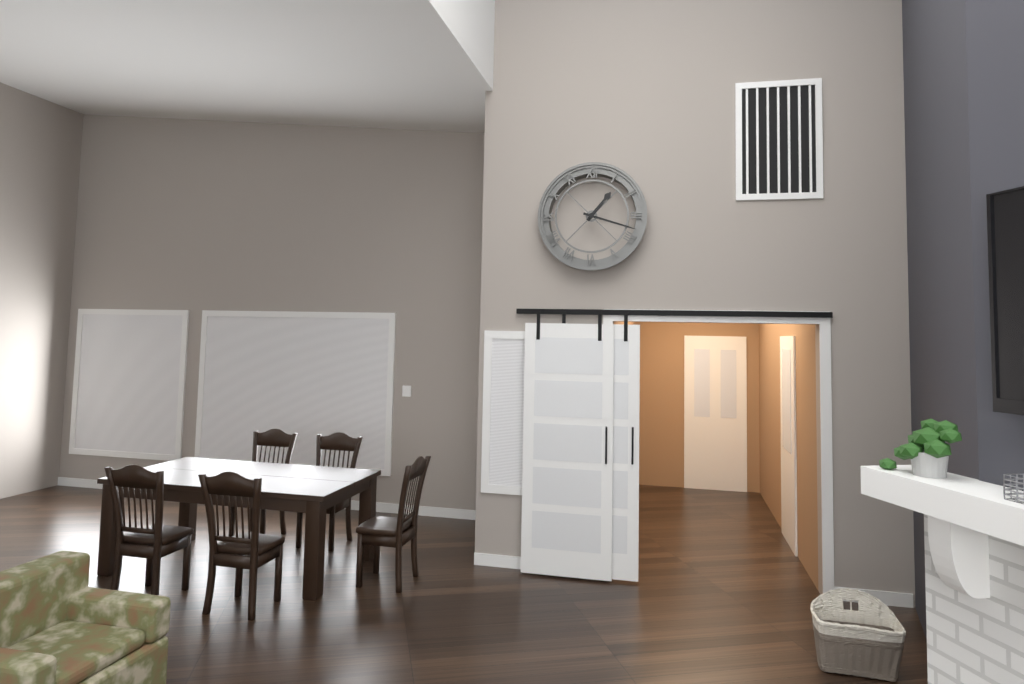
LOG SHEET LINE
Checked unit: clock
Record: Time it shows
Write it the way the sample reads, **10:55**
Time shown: **1:18**
